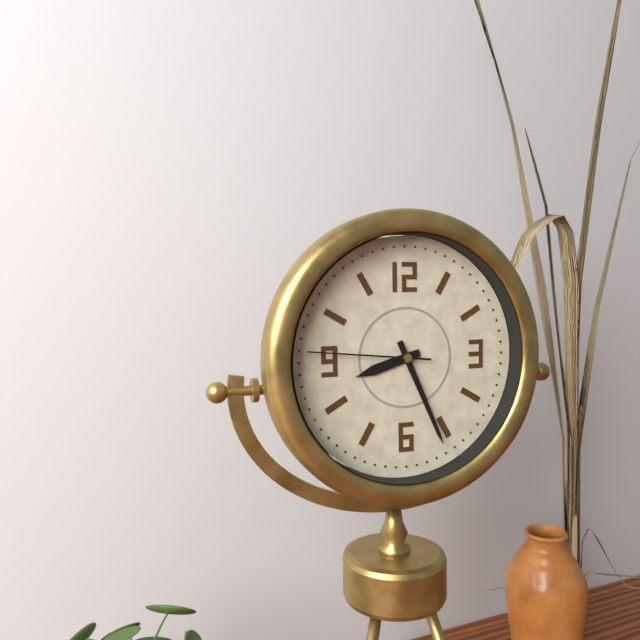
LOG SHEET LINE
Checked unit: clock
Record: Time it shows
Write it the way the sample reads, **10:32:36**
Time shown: **8:26:46**
